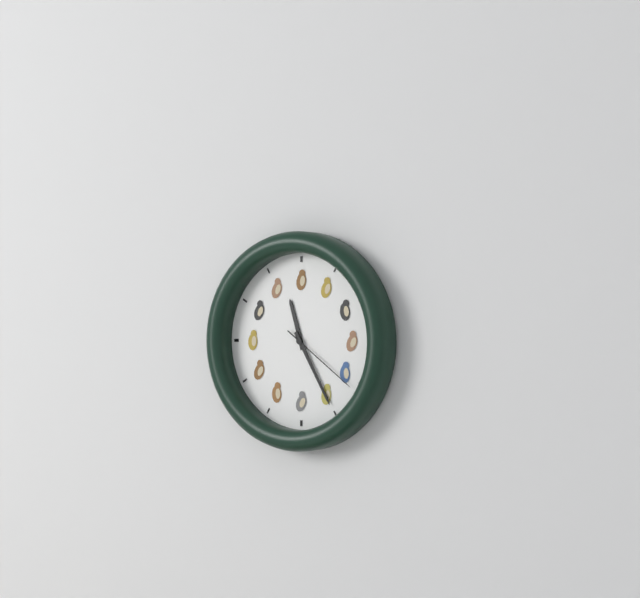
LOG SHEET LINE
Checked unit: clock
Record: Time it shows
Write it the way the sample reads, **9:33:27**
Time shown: **11:25:21**
